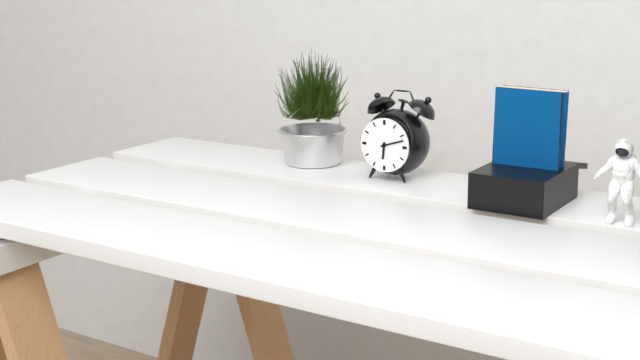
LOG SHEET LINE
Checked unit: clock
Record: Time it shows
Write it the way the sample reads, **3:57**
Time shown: **6:12**
